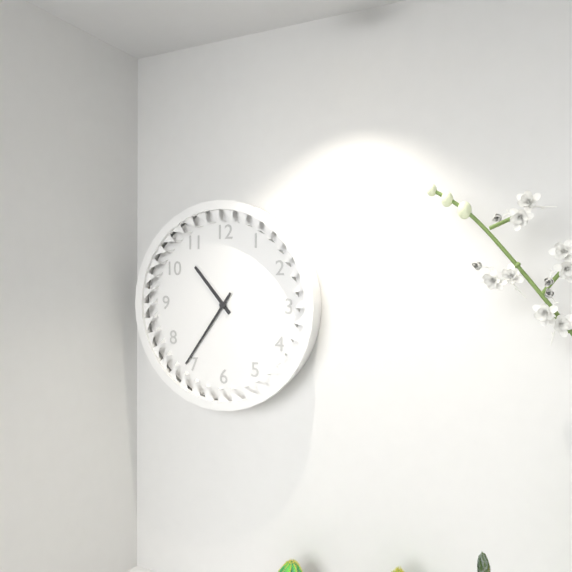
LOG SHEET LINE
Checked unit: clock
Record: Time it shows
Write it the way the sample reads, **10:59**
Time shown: **10:36**
